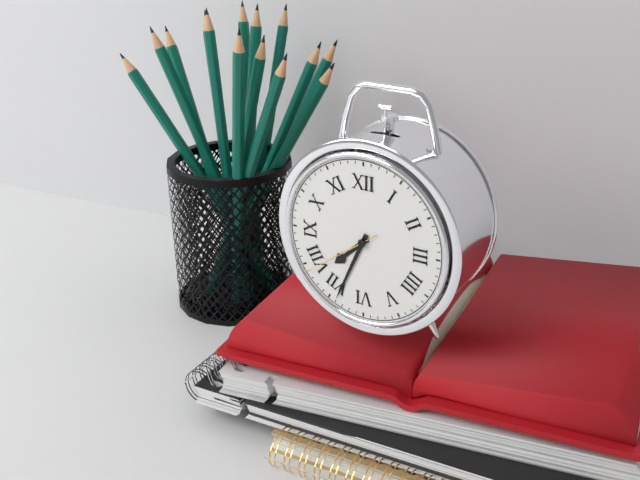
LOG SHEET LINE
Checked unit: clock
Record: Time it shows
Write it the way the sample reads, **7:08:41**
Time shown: **7:34:39**
